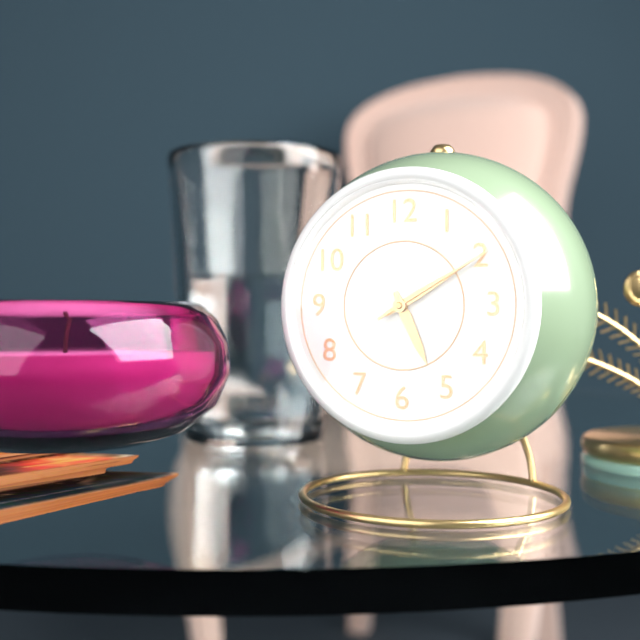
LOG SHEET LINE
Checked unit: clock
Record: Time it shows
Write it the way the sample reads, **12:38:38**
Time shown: **5:10:10**
